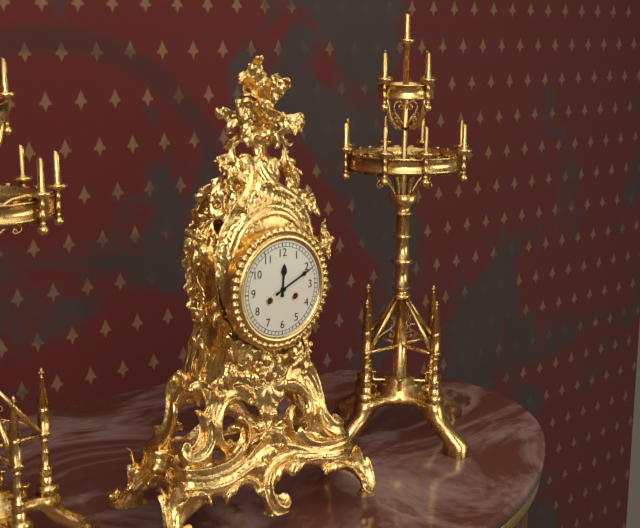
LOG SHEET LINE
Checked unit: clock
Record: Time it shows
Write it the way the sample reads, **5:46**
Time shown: **12:11**
